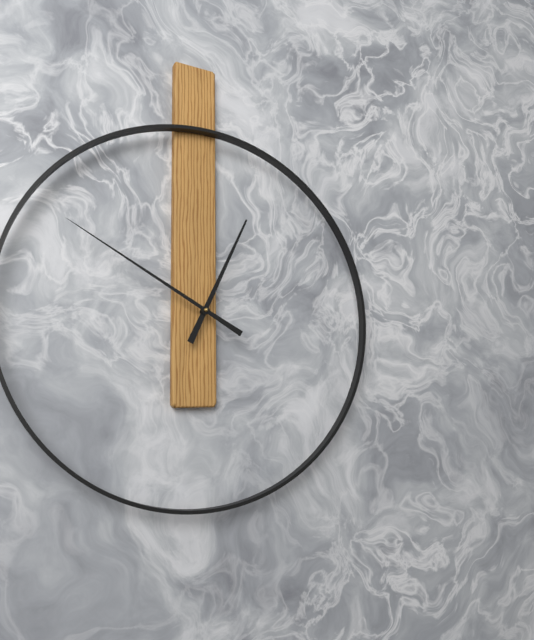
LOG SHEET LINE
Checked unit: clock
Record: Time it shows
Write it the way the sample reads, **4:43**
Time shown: **12:50**
